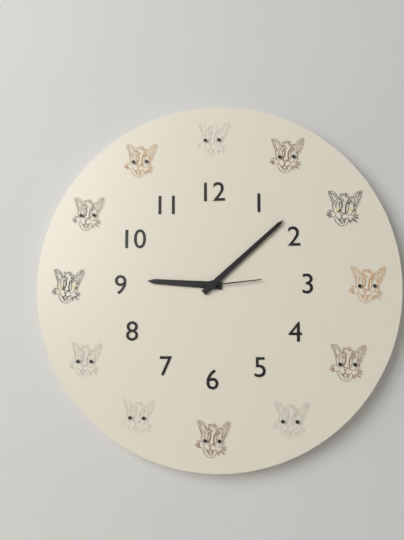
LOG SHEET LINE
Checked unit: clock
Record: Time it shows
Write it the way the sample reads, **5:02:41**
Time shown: **9:08:14**
